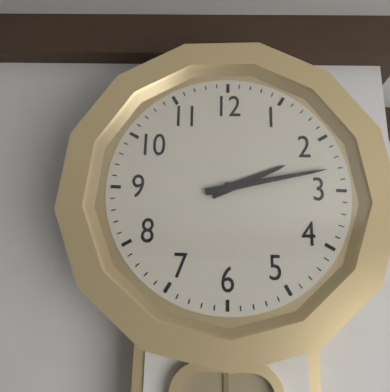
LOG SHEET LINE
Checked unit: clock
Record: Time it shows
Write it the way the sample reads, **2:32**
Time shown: **2:13**
